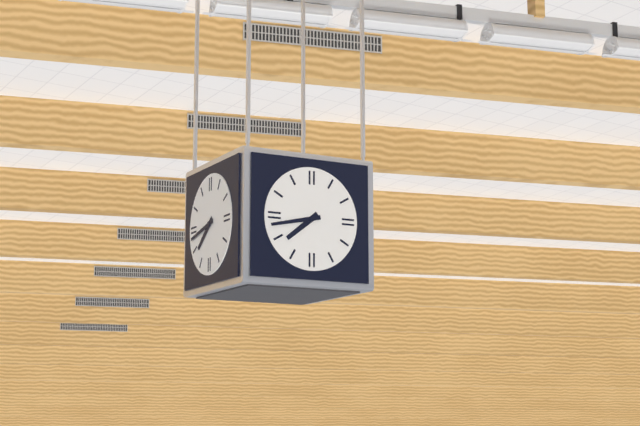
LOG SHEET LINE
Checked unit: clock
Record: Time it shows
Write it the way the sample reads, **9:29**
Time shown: **7:43**
